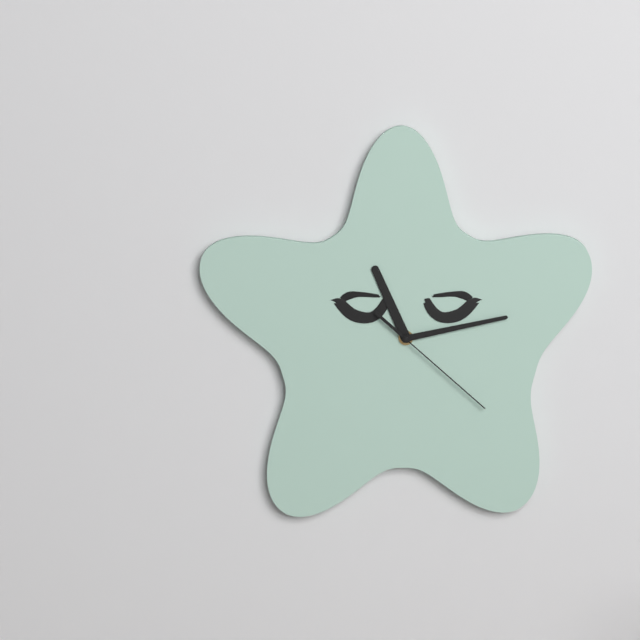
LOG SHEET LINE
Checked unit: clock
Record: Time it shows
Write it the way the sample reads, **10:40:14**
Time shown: **11:13:22**
